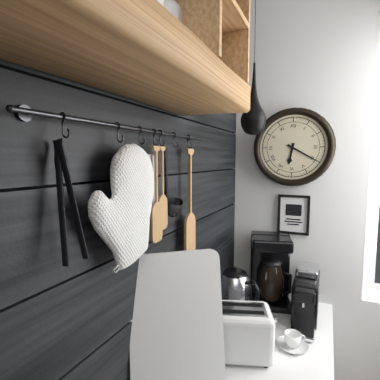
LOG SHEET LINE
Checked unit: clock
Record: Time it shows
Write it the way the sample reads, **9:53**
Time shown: **6:20**
